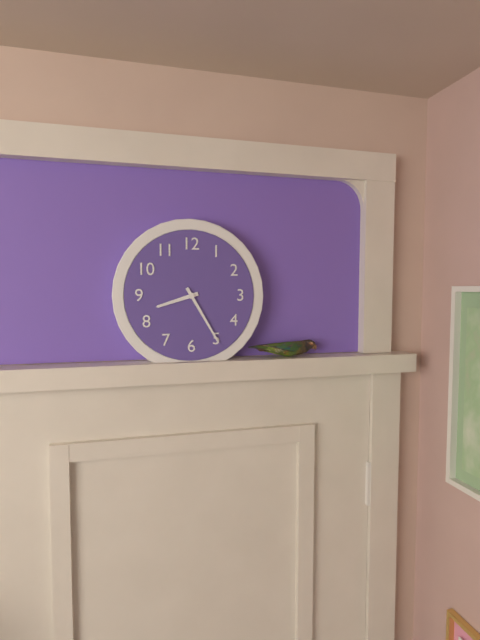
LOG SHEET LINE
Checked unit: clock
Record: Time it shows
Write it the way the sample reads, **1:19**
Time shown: **8:25**
